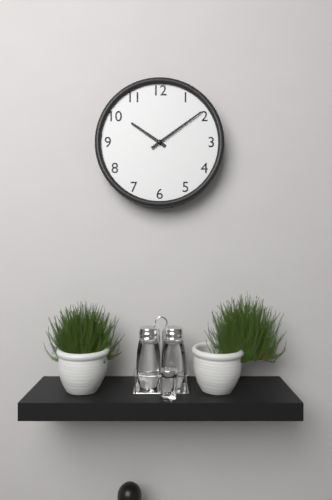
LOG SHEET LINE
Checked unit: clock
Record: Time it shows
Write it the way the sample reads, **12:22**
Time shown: **10:09**
